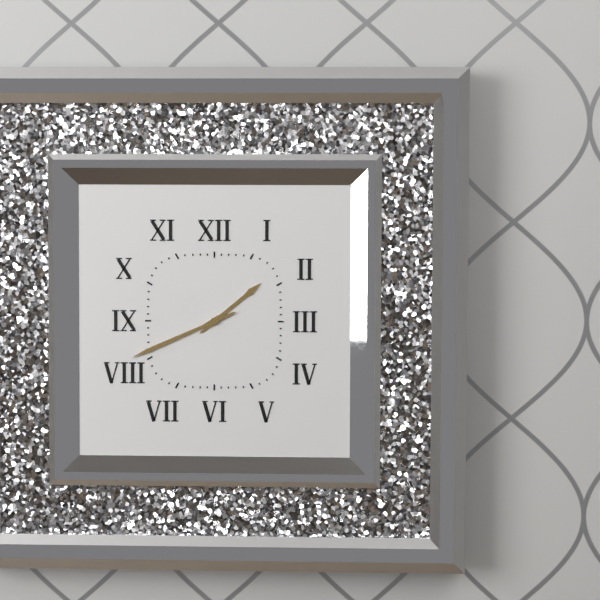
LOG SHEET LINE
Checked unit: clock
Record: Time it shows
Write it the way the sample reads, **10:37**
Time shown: **1:41**
